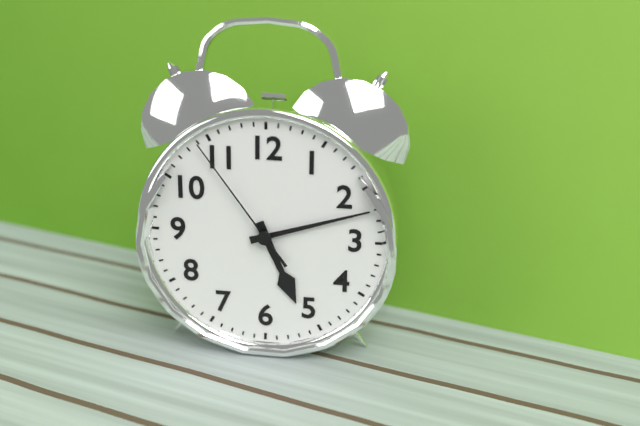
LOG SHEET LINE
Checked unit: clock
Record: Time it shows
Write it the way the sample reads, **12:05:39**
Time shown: **5:12:54**
